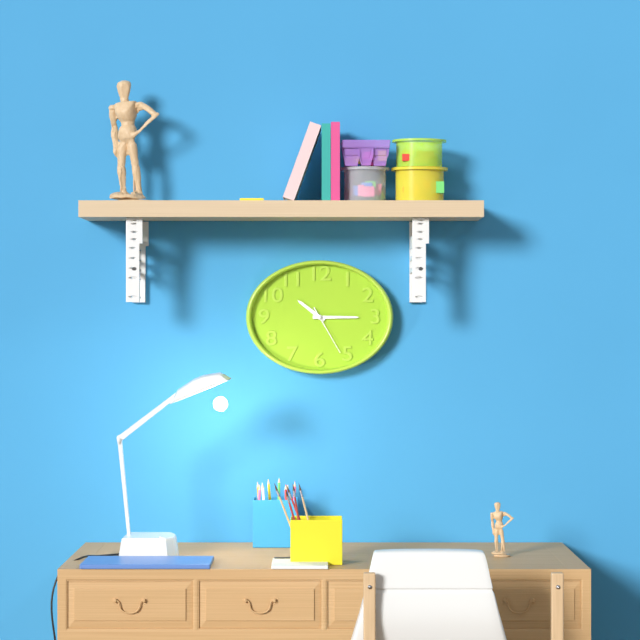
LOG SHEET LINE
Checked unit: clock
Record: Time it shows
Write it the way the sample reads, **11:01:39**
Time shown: **10:15:25**
